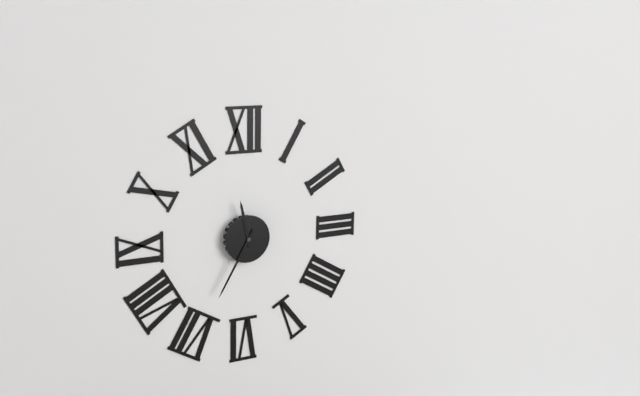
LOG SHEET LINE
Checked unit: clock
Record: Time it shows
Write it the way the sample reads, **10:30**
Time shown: **11:35**
